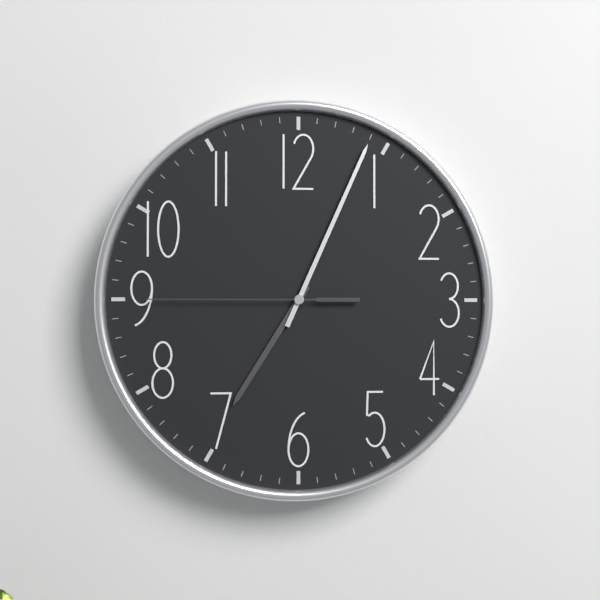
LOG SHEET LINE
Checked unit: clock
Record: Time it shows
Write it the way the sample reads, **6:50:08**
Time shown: **7:04:45**
